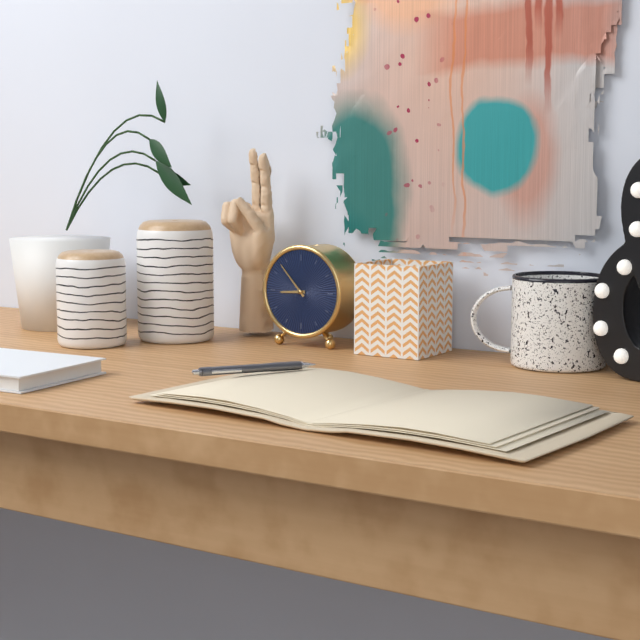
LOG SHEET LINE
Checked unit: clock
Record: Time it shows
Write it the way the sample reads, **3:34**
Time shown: **8:53**
